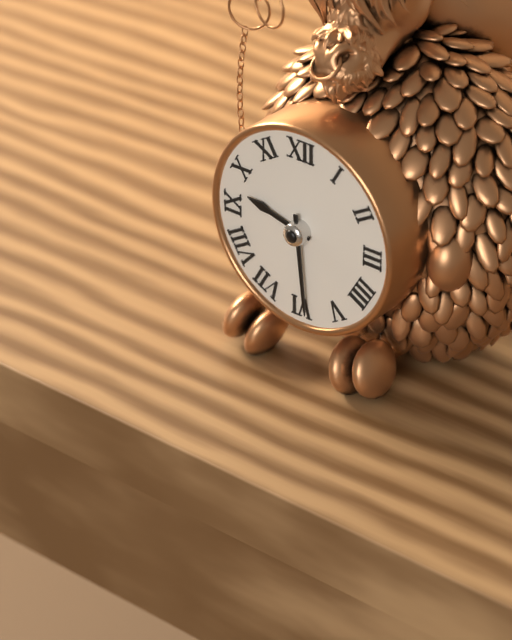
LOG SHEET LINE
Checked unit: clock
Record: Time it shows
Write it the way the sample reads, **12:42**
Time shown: **9:29**
